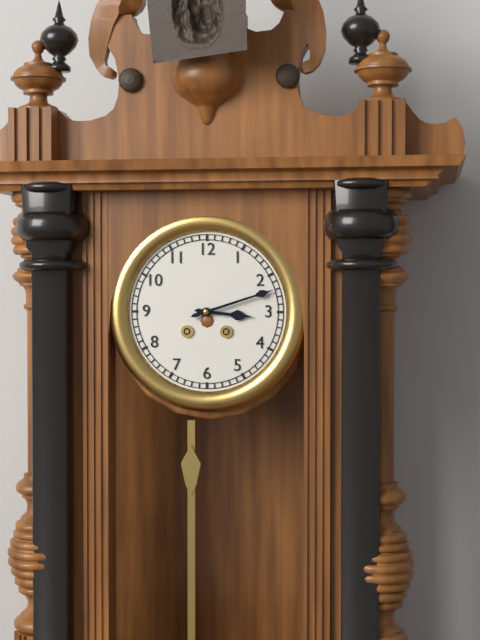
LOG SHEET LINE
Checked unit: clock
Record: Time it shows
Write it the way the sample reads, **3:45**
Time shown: **3:12**
